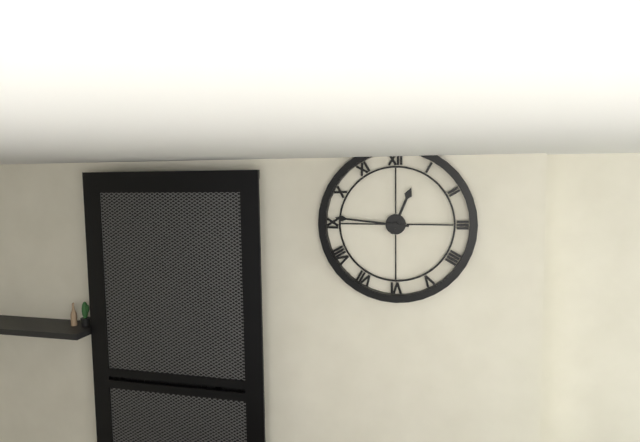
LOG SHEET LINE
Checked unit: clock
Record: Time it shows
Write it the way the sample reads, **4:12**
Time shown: **12:46**
